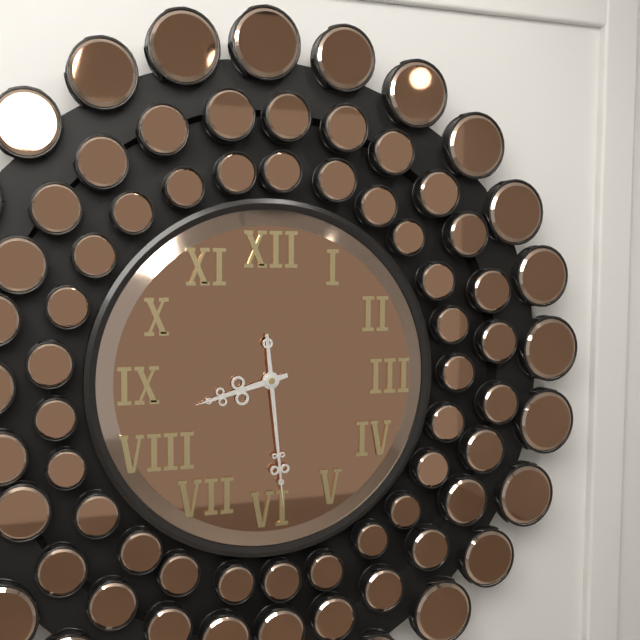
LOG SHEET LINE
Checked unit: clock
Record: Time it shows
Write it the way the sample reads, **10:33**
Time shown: **8:29**
